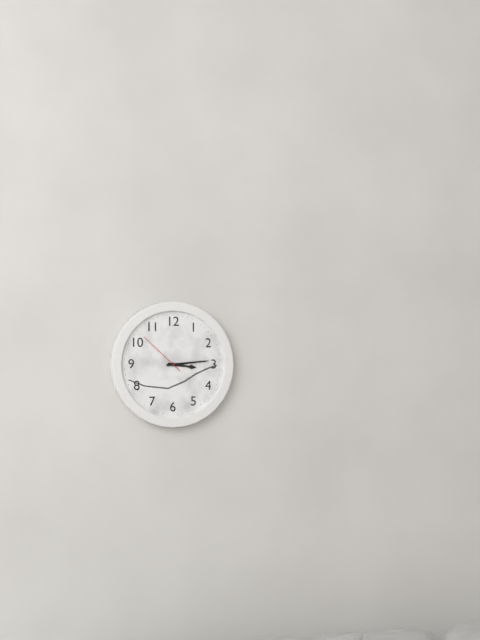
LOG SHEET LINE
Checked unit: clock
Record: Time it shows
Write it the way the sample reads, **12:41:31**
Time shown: **3:14:52**
